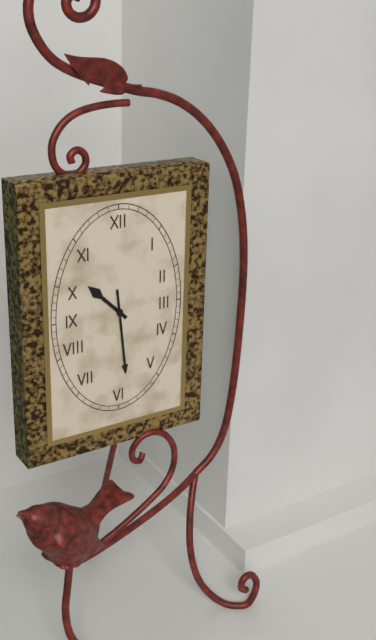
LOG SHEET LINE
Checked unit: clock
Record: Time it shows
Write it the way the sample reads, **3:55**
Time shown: **10:29**
